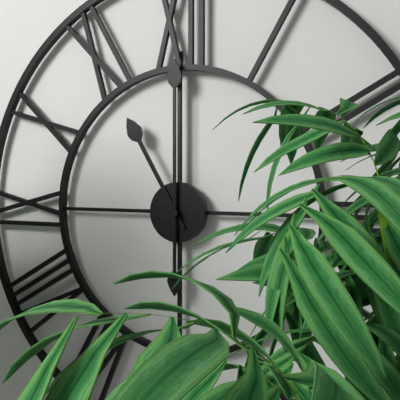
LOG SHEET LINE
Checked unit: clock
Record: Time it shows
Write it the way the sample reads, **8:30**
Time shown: **11:00**
